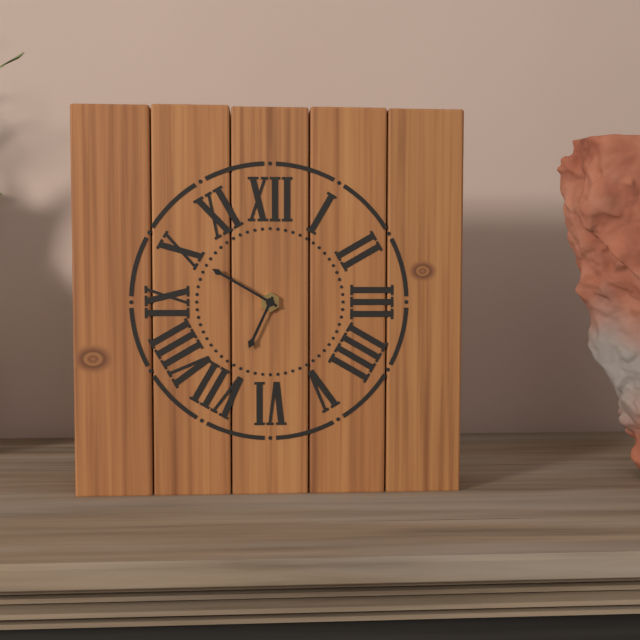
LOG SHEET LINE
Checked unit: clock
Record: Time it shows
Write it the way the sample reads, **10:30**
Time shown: **6:50**
